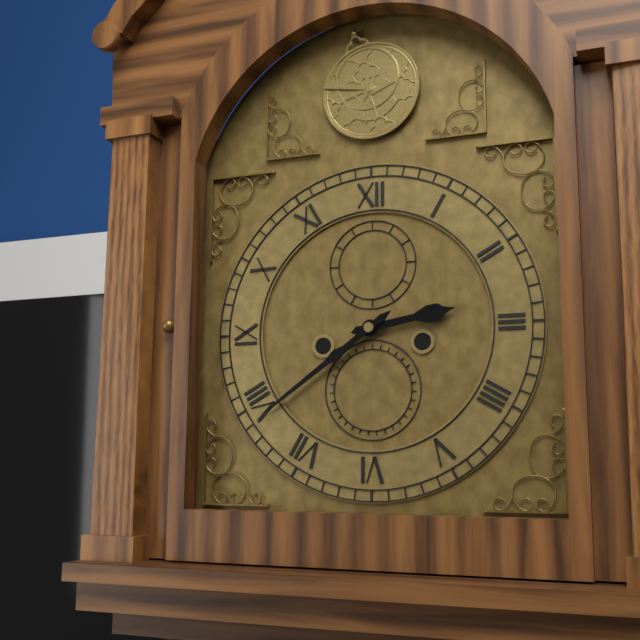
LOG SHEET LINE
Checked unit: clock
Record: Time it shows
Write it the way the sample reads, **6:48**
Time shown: **2:39**
